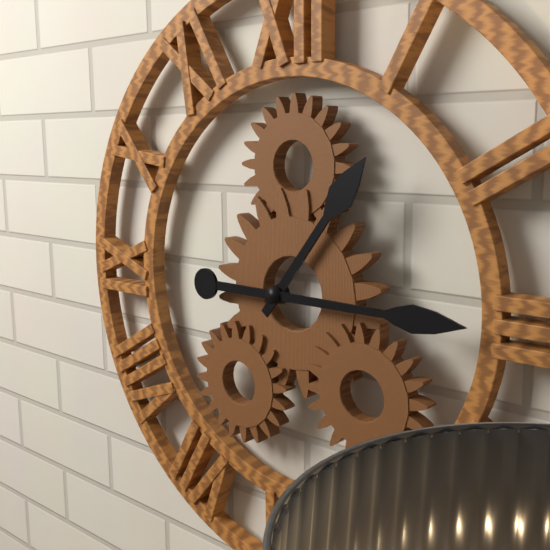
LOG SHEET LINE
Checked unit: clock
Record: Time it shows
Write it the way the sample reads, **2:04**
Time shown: **1:15**
